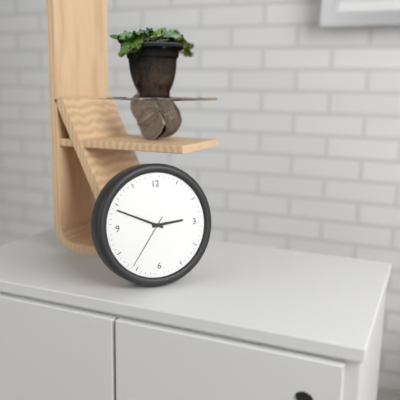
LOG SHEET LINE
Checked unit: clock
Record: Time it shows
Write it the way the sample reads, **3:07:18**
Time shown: **2:49:36**
